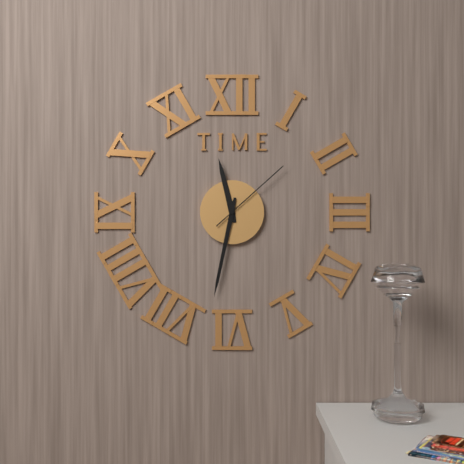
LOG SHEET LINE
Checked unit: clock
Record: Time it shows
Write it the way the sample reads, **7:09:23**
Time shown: **11:32:08**
